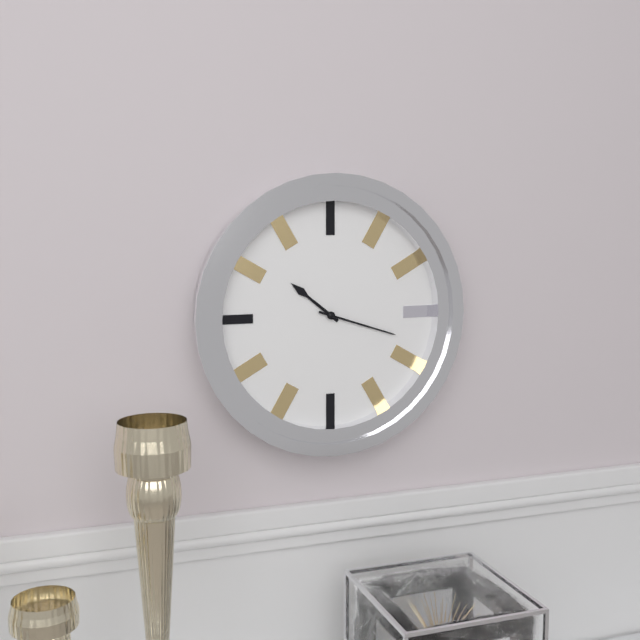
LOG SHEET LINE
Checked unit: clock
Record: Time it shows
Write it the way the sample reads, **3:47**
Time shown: **10:18**
